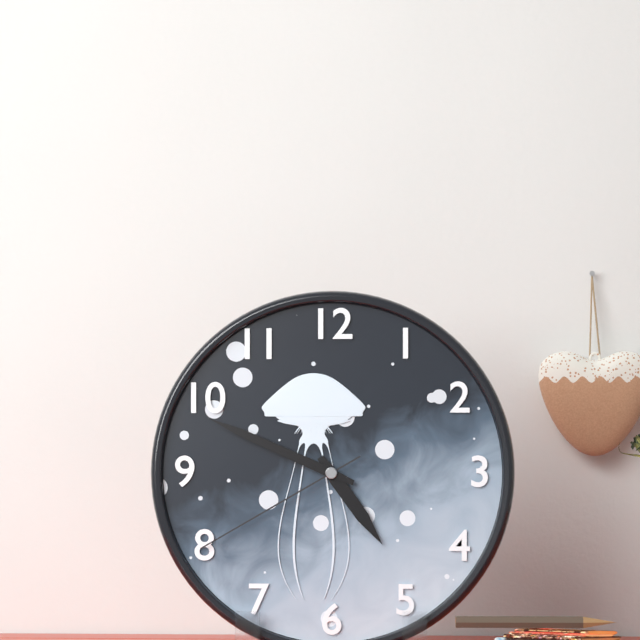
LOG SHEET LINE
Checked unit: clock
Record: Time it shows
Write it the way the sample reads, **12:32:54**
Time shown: **4:49:40**
